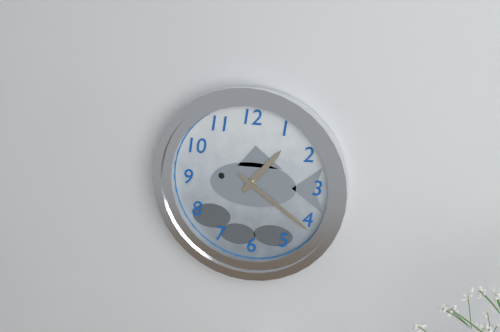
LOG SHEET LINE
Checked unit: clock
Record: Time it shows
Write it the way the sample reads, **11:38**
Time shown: **1:21**
